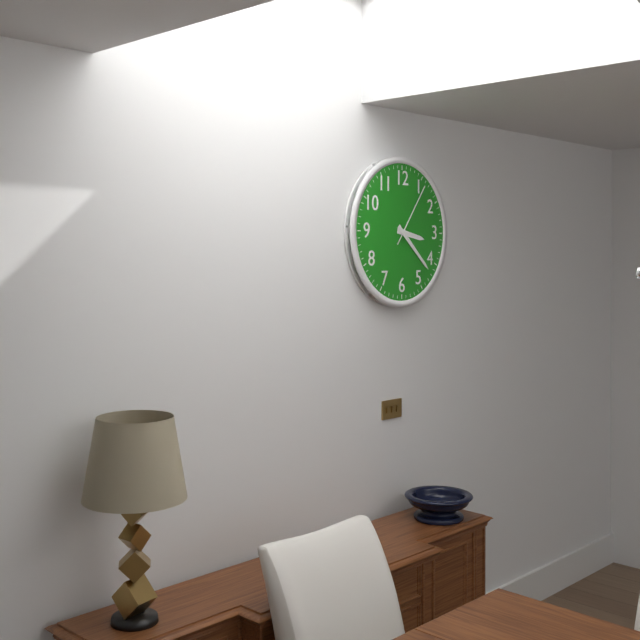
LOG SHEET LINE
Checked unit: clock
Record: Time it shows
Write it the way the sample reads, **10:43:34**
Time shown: **3:22:06**
